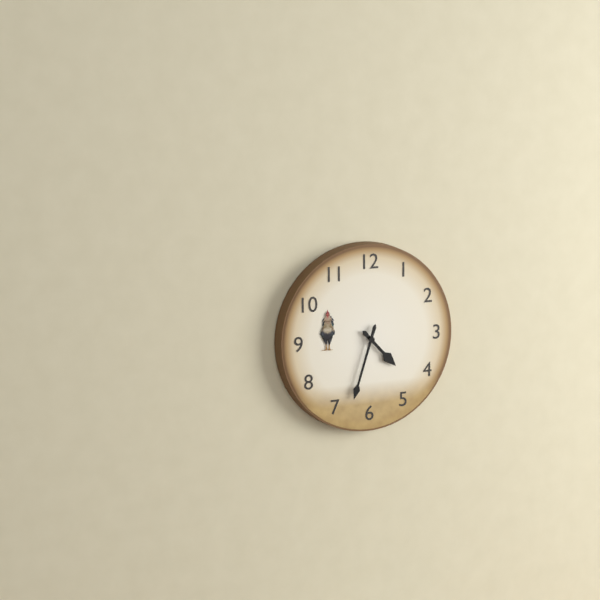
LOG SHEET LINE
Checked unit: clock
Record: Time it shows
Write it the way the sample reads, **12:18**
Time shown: **4:33**
